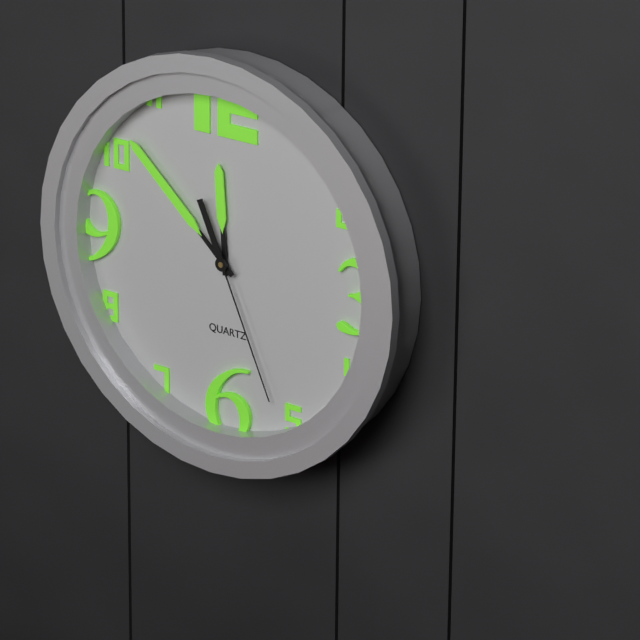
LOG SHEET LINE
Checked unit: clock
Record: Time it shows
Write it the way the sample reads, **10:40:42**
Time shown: **11:52:26**
